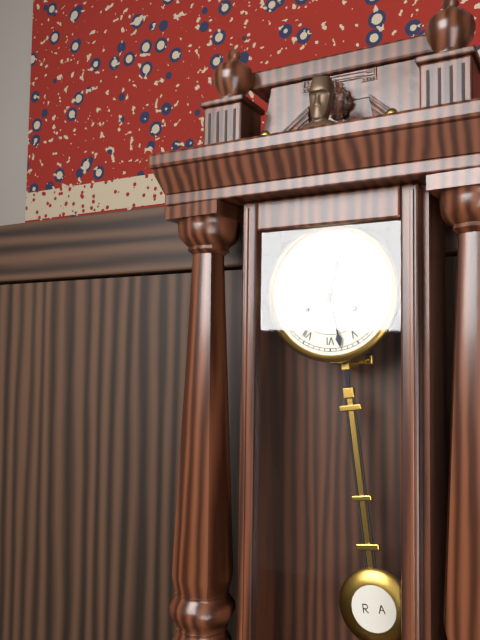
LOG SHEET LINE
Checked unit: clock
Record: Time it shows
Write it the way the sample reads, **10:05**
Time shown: **12:28**
